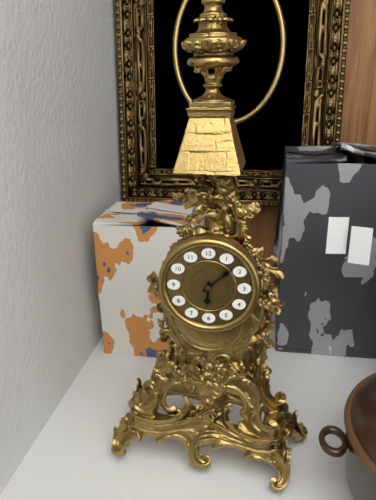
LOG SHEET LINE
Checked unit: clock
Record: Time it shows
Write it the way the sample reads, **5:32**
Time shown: **6:08**
